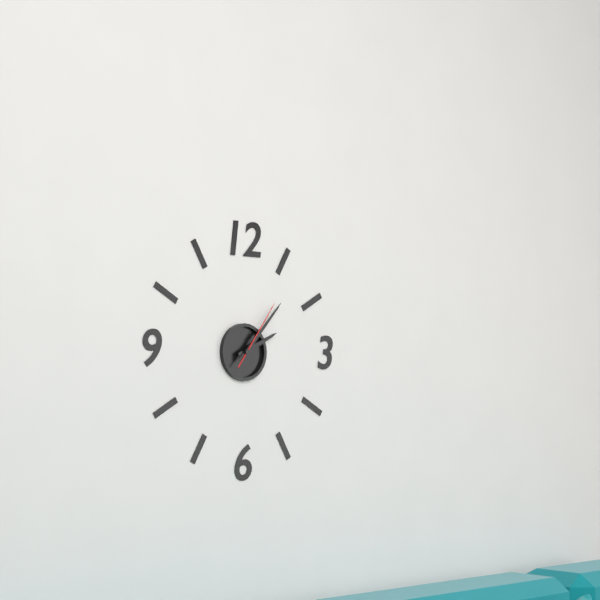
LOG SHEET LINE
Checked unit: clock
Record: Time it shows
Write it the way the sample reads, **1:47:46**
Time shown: **2:07:06**
